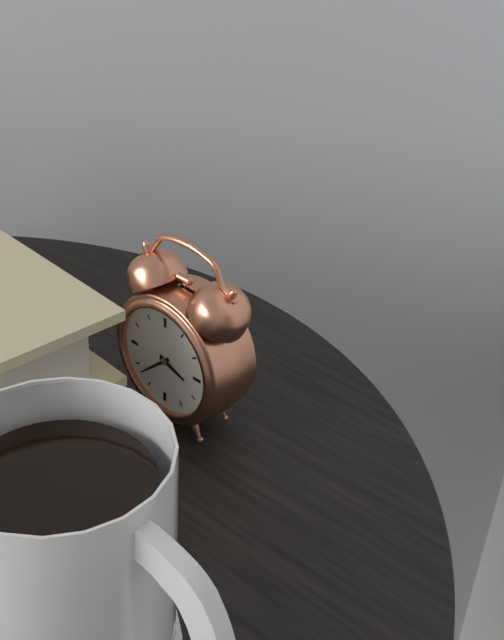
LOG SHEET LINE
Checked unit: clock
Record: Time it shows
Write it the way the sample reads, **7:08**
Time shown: **3:38**
